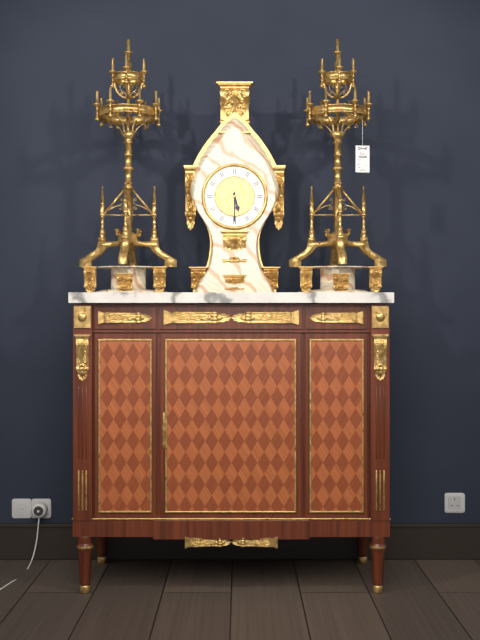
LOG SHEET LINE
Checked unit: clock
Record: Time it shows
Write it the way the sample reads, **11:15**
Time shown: **5:30**
